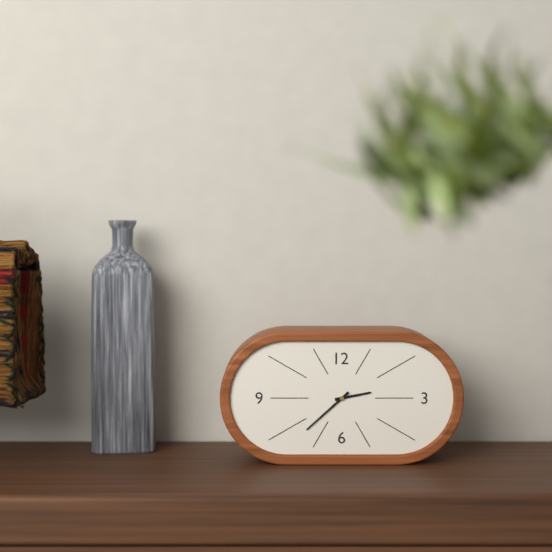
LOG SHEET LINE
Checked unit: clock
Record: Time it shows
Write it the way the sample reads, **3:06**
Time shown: **2:38**
